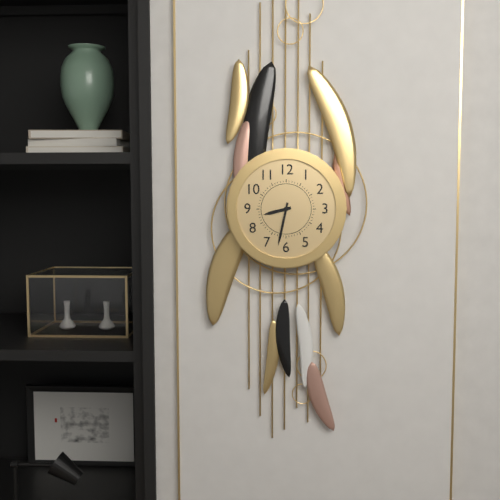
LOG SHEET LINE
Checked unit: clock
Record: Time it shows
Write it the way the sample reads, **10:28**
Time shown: **8:32**
